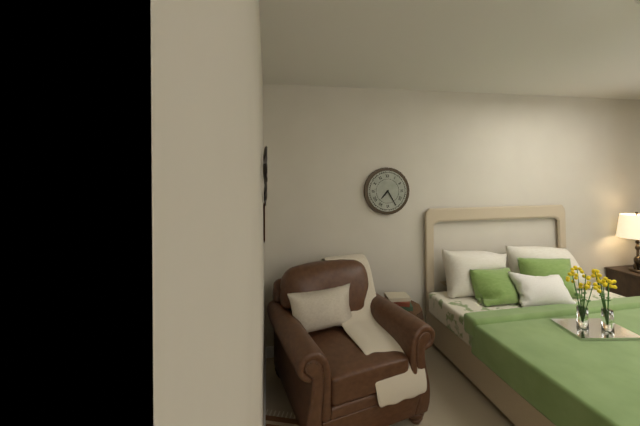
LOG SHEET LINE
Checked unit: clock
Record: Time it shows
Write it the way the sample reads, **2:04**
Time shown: **7:25**
